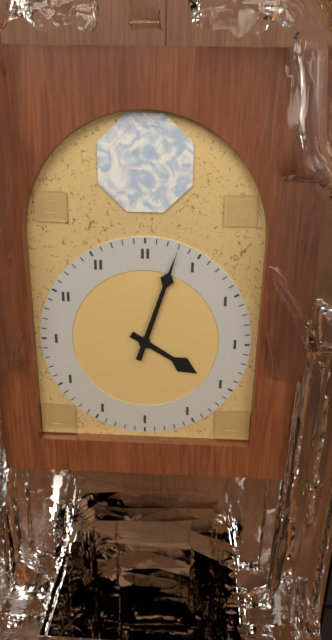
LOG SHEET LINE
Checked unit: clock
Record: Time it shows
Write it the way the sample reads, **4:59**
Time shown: **4:03**
